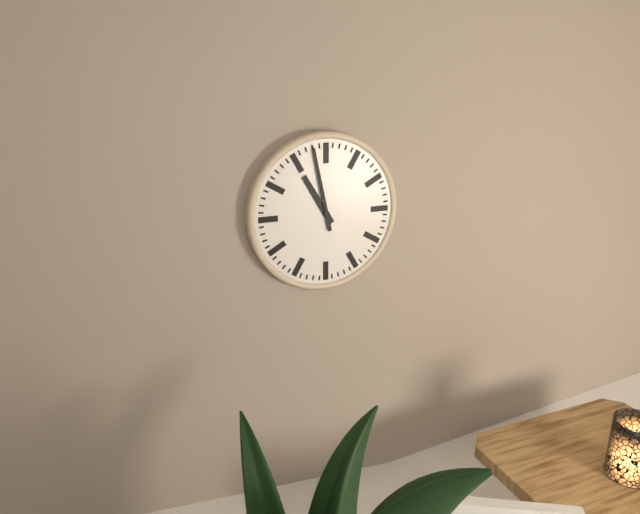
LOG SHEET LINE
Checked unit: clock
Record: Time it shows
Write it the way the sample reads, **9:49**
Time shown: **10:58**
